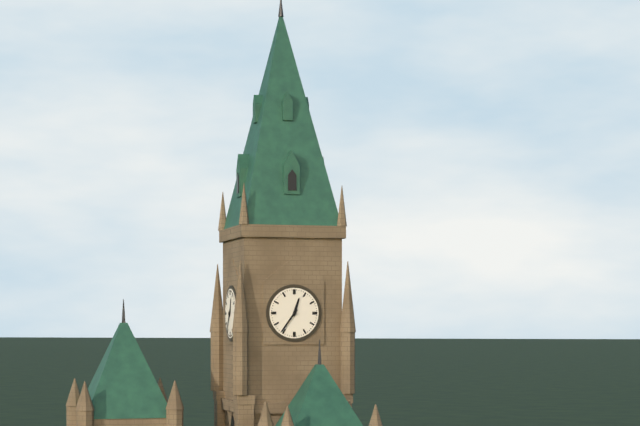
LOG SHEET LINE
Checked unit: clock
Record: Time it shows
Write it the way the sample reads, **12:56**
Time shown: **12:36**
